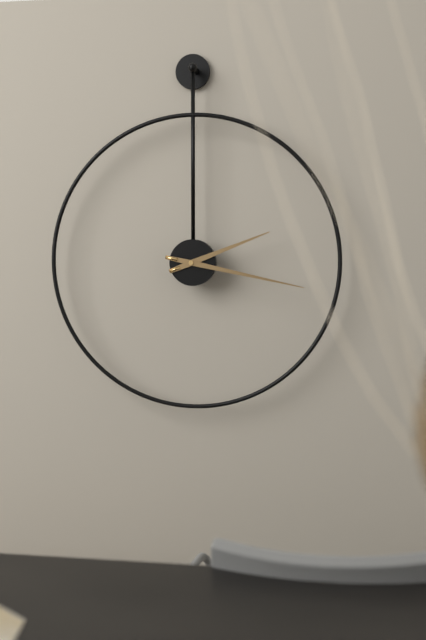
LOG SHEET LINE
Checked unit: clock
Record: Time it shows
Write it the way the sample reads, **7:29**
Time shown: **2:17**
